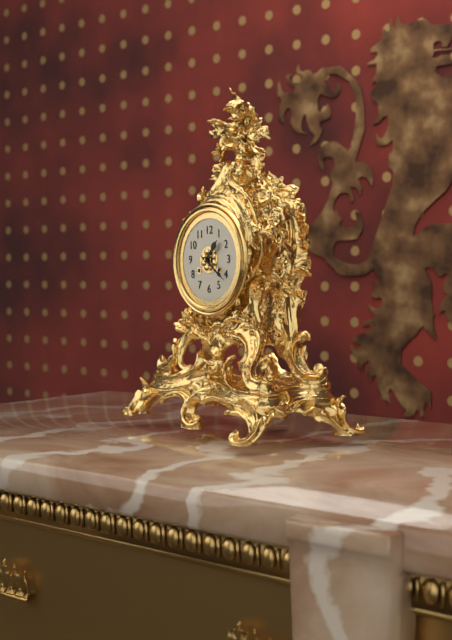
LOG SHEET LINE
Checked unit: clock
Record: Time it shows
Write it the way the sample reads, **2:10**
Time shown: **1:21**
